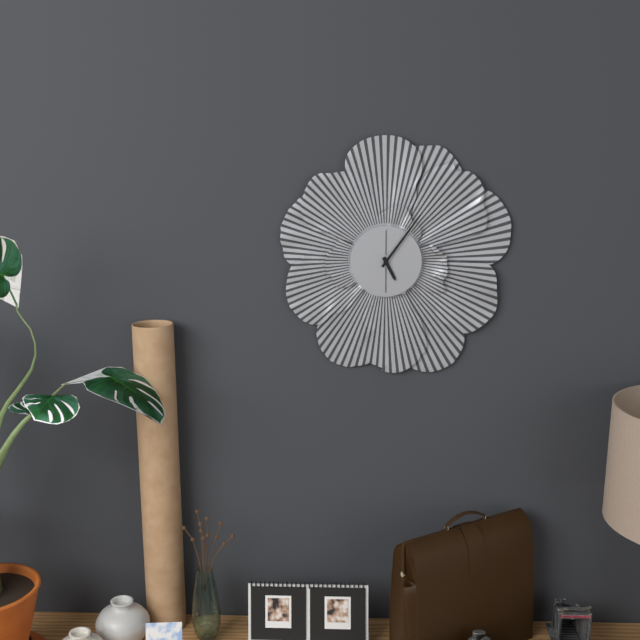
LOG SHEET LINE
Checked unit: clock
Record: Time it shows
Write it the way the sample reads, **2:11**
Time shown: **5:06**
